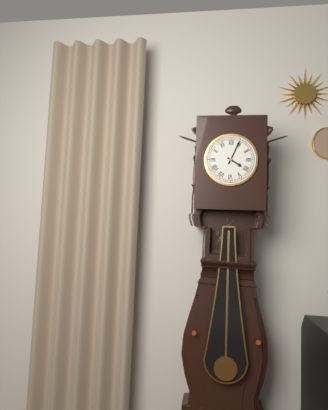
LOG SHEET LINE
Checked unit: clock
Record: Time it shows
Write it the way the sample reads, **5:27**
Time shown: **4:04**
